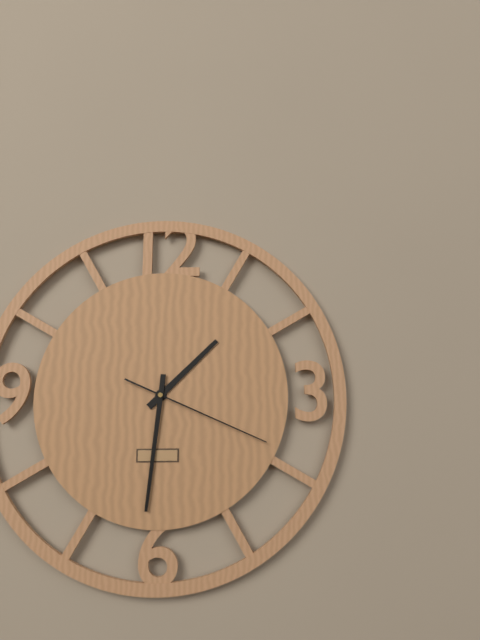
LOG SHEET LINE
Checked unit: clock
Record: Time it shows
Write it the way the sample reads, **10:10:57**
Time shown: **1:31:19**
